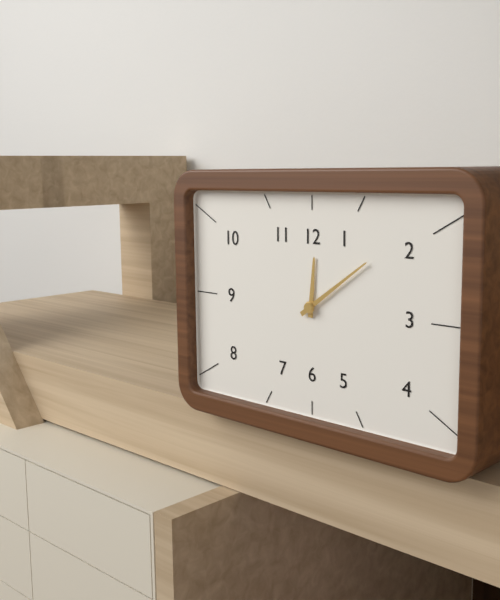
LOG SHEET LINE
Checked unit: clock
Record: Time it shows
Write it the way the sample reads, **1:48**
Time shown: **12:09**
